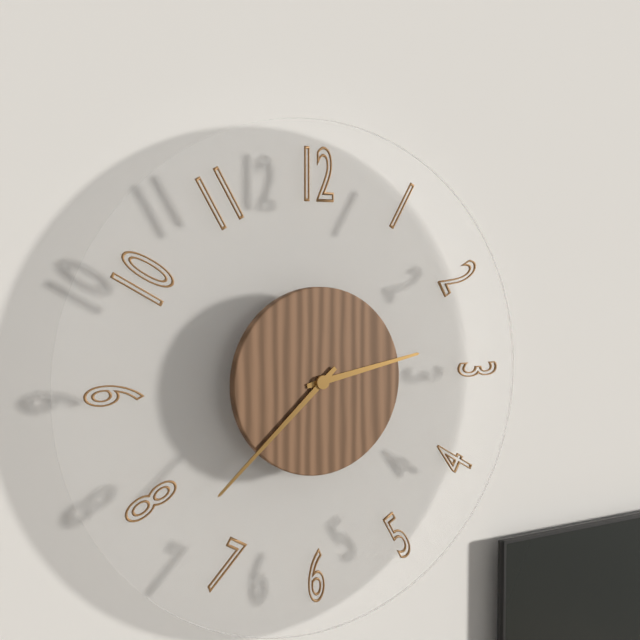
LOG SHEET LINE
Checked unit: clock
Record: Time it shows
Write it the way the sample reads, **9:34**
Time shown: **2:38**
